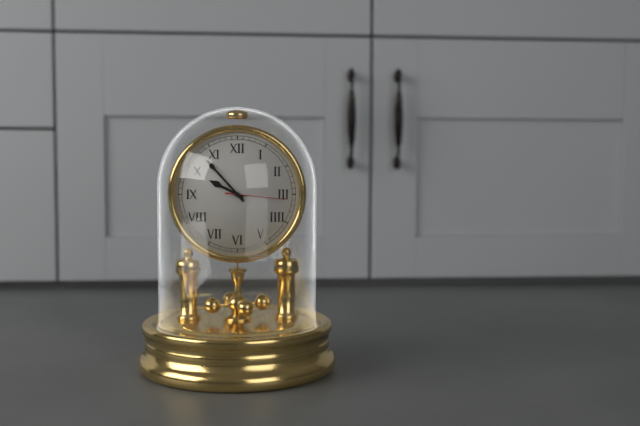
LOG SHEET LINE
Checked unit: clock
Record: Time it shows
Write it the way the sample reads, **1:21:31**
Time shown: **9:53:16**
